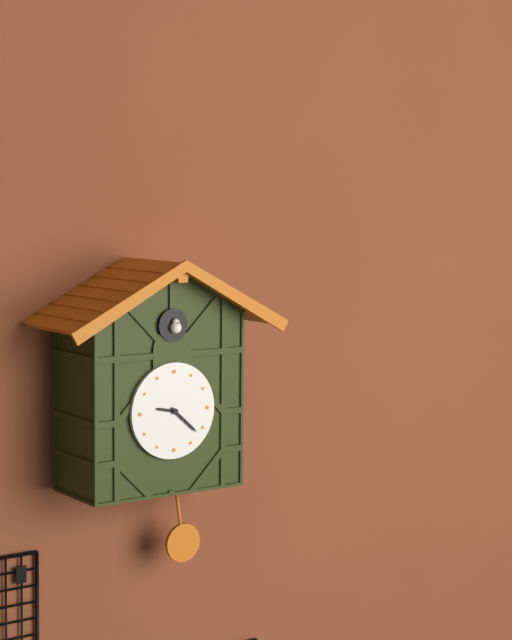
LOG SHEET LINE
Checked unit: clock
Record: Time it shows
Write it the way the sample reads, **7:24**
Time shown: **9:22**
